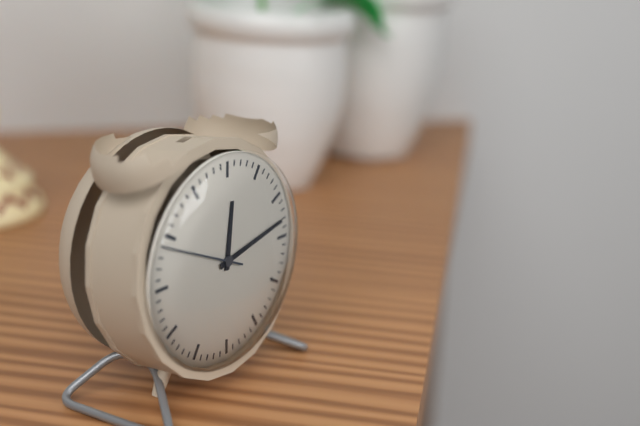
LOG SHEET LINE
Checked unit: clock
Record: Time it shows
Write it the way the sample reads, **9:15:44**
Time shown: **12:13:49**
